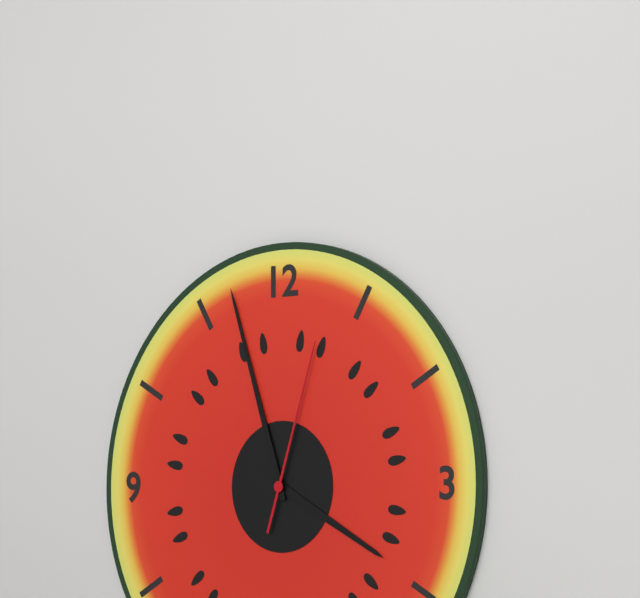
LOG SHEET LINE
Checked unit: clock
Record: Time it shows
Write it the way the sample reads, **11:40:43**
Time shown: **3:57:03**
